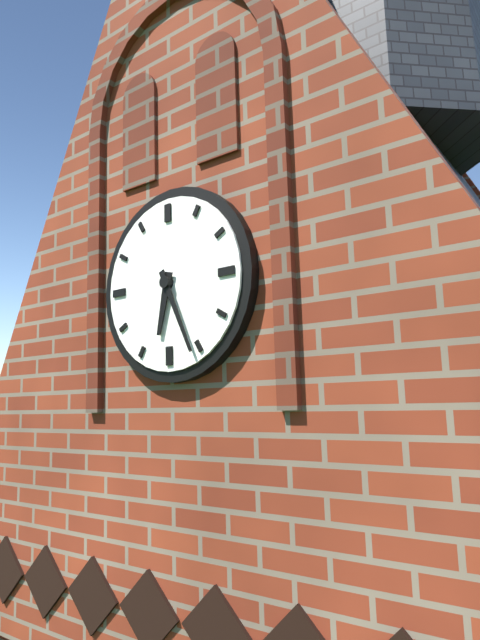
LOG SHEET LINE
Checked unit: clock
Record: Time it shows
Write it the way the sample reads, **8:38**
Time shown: **6:26**
